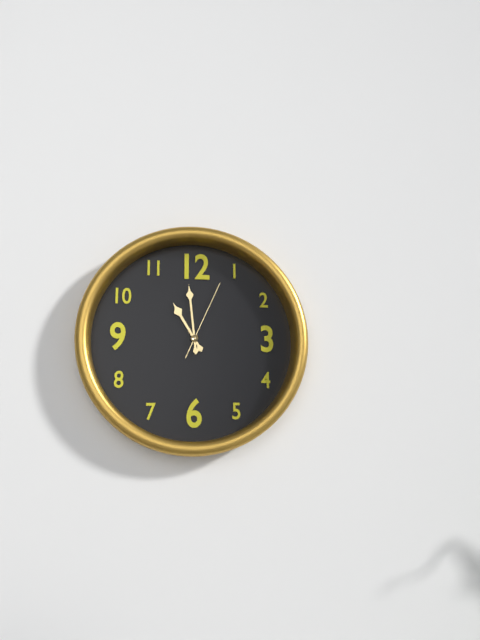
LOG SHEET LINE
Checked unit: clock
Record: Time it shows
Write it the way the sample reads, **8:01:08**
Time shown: **10:59:04**
